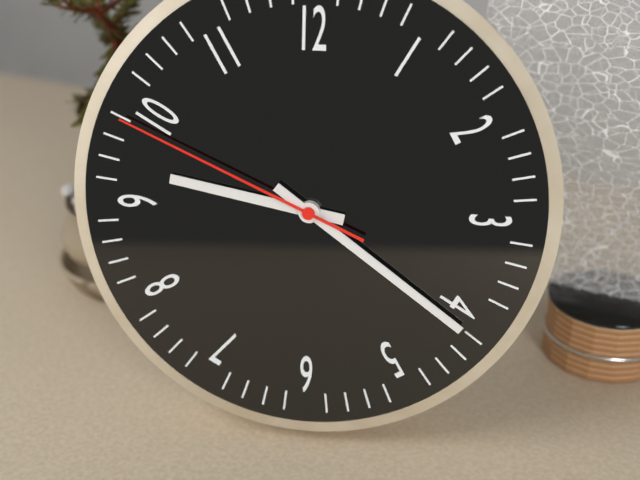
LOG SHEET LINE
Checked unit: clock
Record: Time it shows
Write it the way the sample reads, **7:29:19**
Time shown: **9:21:49**
